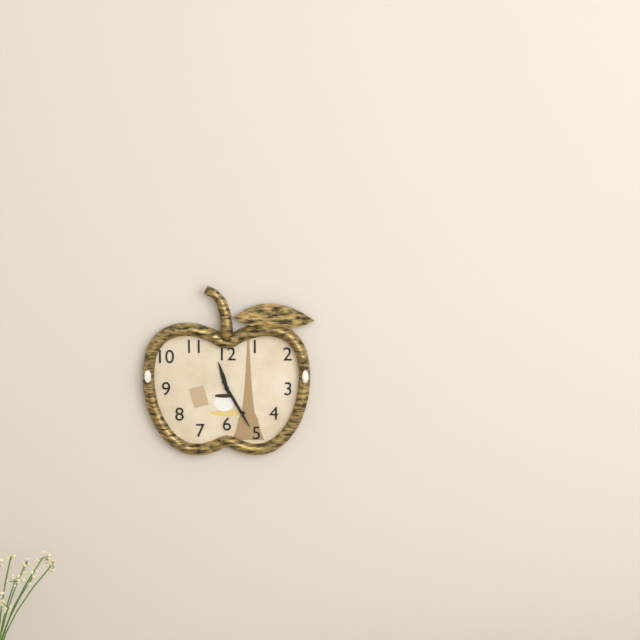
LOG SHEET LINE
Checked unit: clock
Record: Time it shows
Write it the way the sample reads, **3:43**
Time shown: **11:25**
